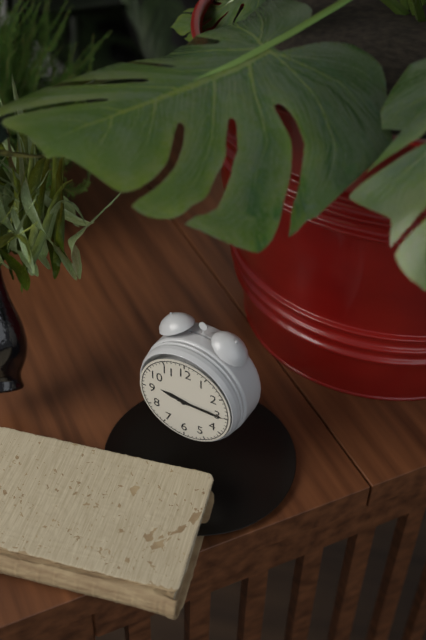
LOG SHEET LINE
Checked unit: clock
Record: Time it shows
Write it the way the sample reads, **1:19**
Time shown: **9:15**
